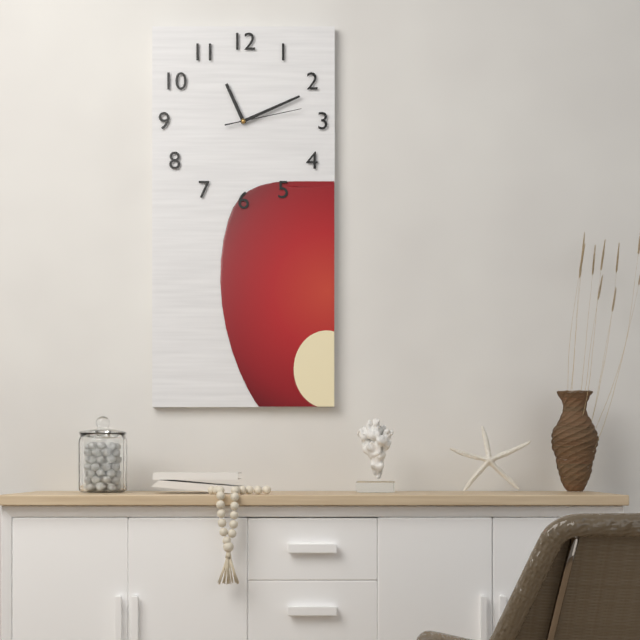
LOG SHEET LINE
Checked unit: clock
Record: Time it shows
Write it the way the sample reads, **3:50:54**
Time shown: **11:11:13**
